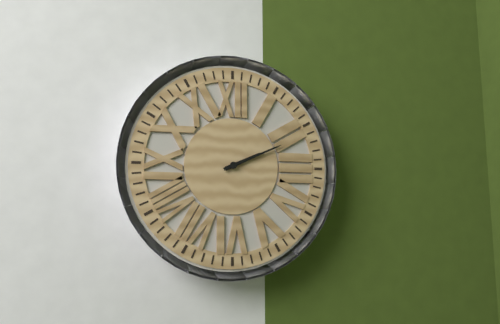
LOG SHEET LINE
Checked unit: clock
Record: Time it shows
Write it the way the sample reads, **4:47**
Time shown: **2:11**
